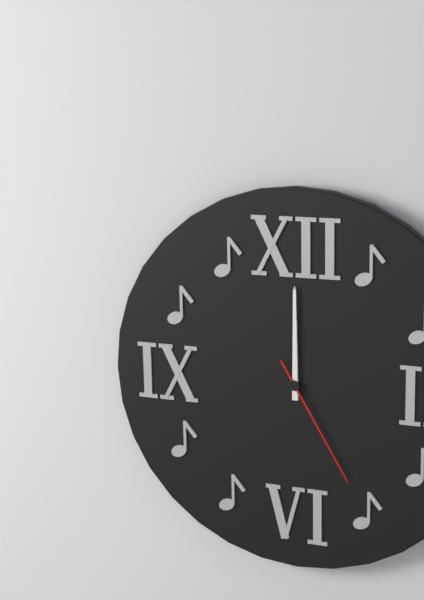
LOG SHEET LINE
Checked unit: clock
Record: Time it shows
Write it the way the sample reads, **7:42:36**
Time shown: **12:00:25**
